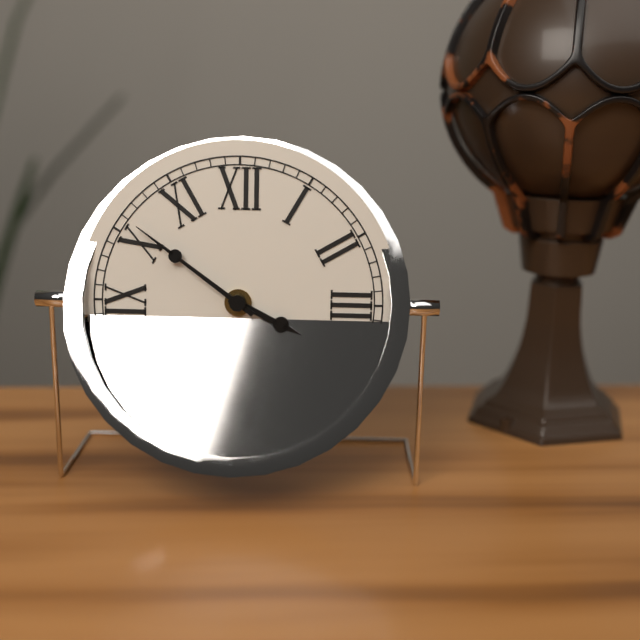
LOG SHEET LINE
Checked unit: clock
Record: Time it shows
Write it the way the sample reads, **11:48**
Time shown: **3:51**
